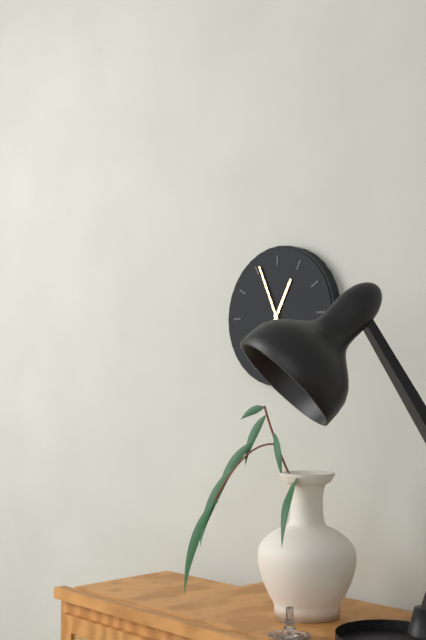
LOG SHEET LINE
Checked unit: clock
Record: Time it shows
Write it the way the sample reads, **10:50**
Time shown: **12:56**
